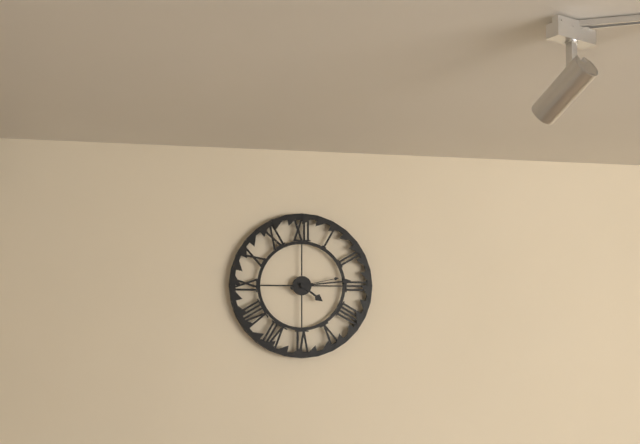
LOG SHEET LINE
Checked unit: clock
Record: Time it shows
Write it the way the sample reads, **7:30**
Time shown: **4:14**
